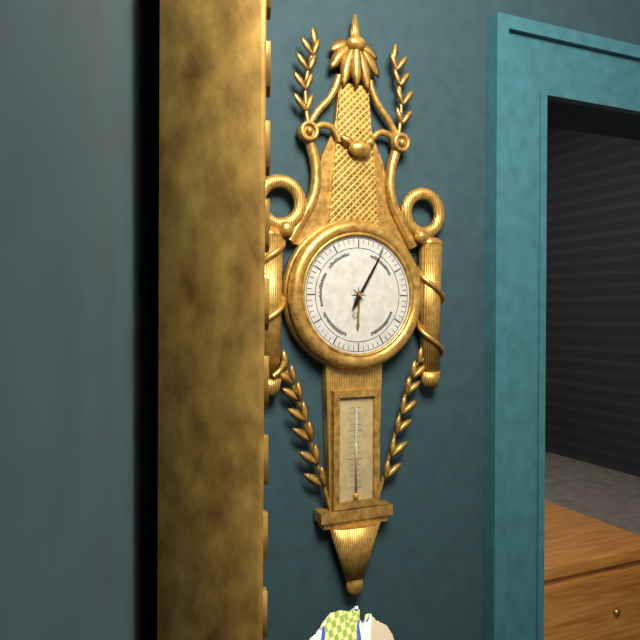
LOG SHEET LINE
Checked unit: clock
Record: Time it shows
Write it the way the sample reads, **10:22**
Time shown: **6:05**
